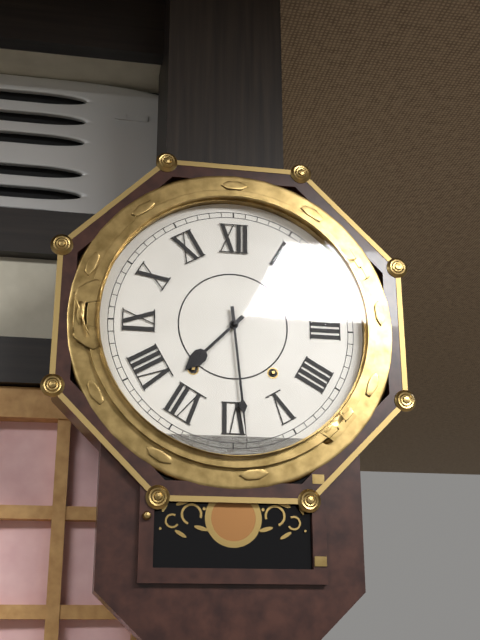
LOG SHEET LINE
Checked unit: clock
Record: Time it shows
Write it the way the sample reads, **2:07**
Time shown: **7:29**
